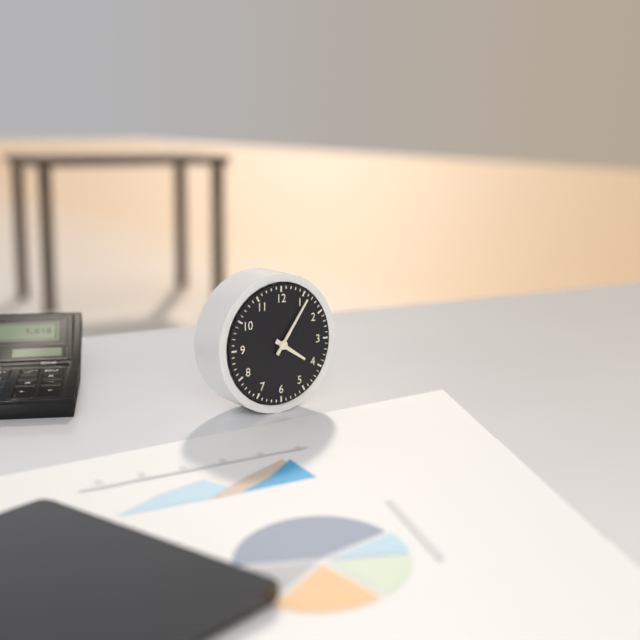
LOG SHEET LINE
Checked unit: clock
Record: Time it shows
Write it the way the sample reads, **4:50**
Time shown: **4:06**
